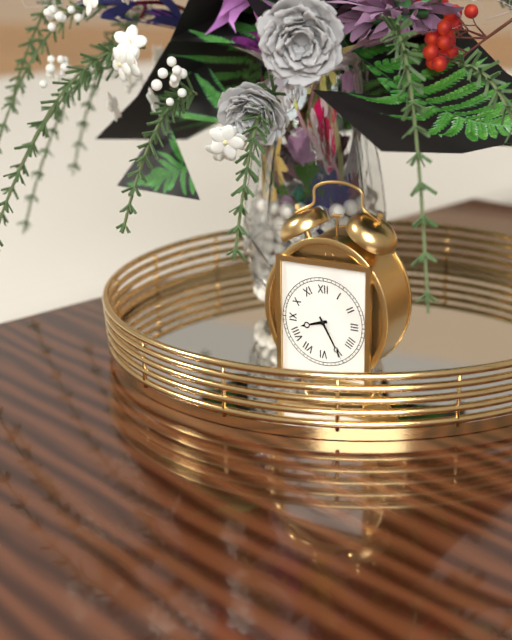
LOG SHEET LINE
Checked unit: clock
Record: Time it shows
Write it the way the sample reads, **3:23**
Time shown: **8:25**
